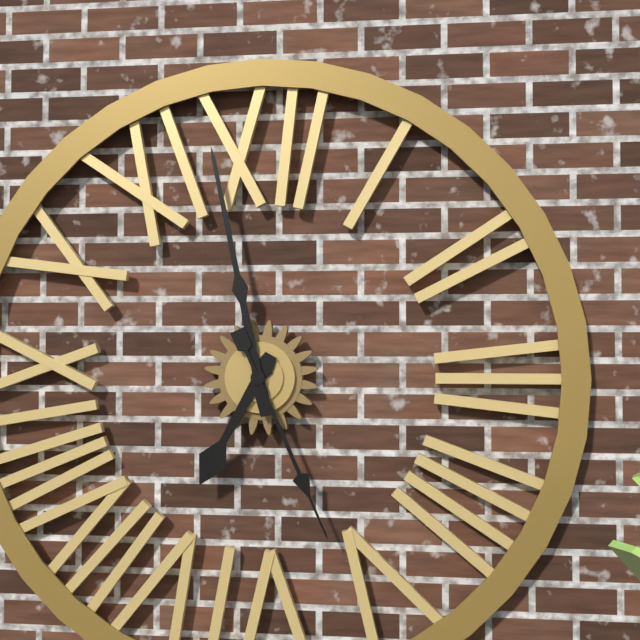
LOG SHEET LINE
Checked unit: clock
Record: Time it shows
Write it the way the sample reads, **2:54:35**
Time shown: **6:58:26**
